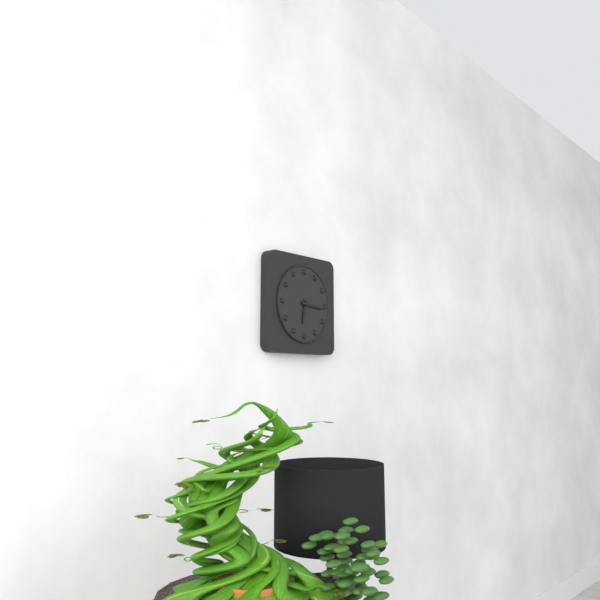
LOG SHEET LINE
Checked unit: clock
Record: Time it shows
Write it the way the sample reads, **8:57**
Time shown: **6:16**
